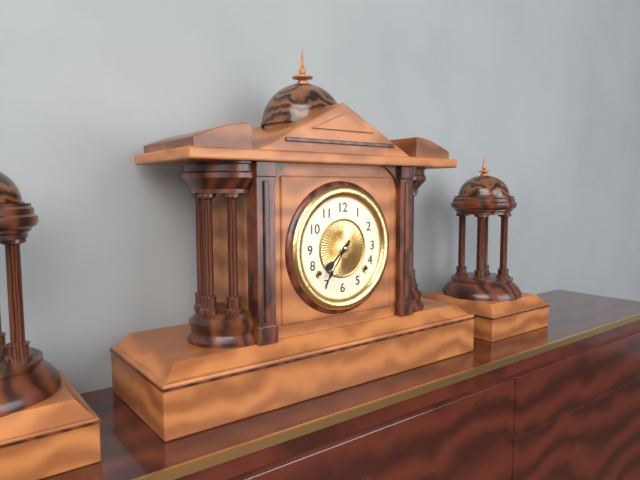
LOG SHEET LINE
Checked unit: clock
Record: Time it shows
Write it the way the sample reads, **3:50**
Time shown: **7:36**
